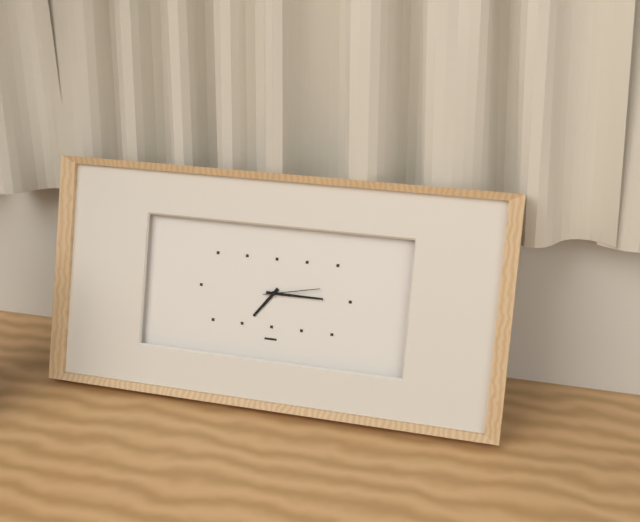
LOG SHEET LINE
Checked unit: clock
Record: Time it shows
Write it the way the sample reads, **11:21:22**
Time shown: **7:15:13**
